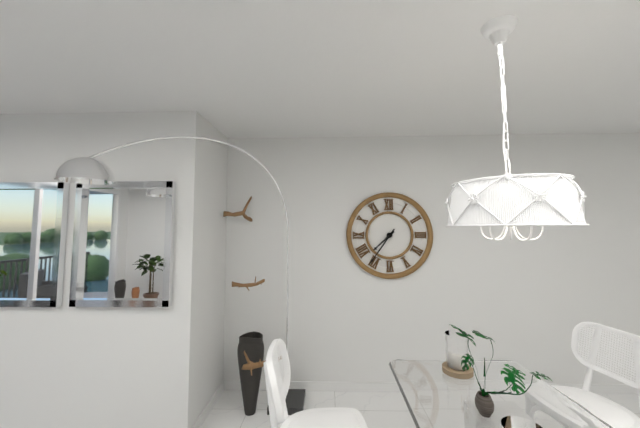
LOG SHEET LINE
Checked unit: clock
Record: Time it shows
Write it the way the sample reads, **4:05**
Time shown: **7:36**
